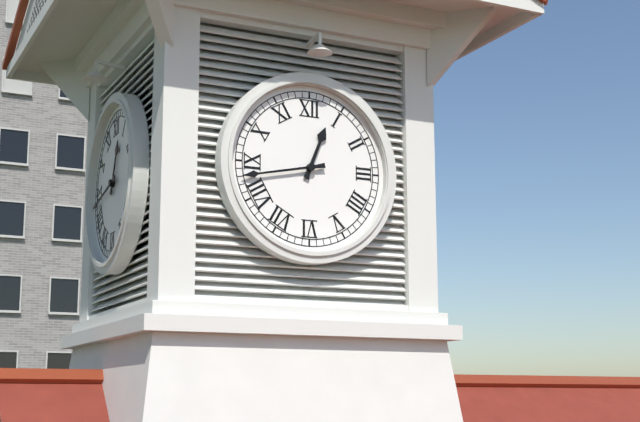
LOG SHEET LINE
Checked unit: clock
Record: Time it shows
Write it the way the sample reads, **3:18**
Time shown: **12:43**
